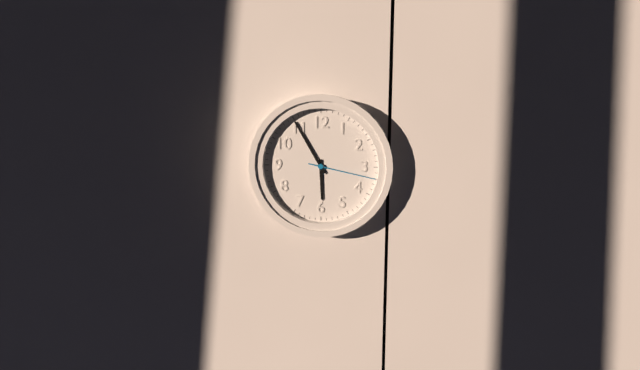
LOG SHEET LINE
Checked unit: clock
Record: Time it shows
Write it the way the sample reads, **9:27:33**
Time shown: **5:55:17**
